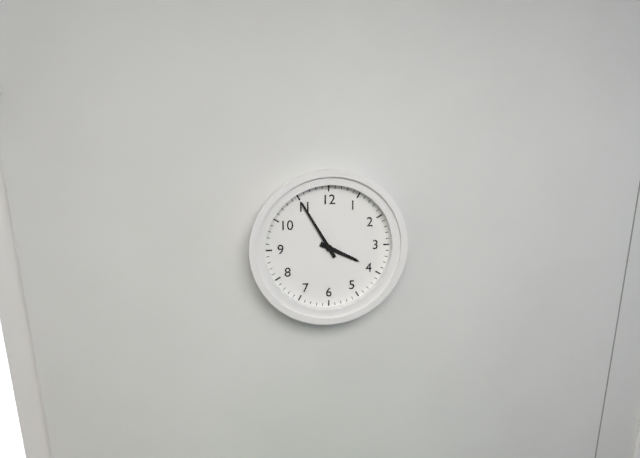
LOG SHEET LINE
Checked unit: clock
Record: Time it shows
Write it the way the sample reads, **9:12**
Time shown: **3:55**
